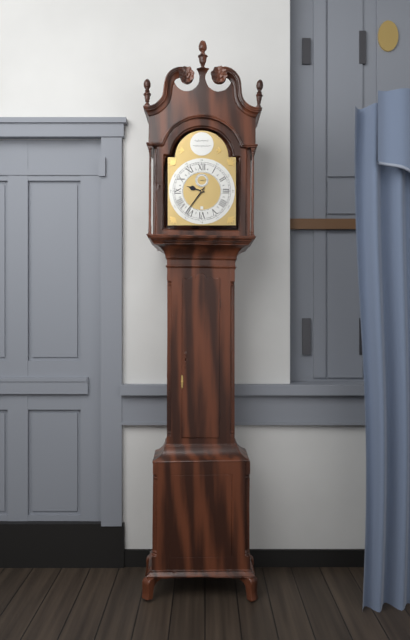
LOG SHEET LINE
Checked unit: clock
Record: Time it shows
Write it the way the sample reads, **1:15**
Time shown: **9:36**
